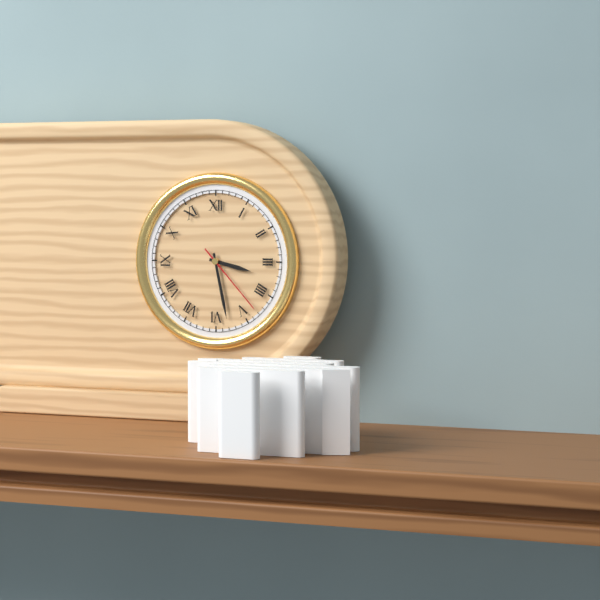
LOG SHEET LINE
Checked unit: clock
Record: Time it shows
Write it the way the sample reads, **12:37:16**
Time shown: **3:28:23**
